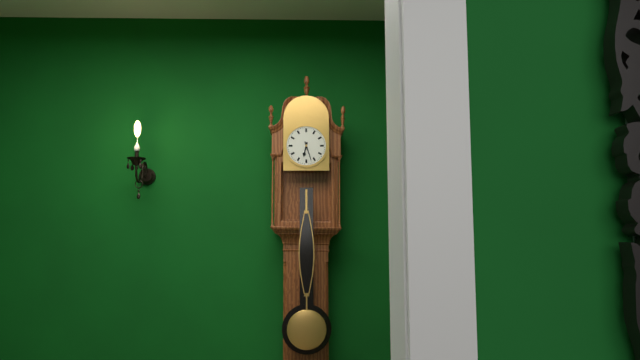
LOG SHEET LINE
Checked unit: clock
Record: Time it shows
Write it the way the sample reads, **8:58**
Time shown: **6:27**
